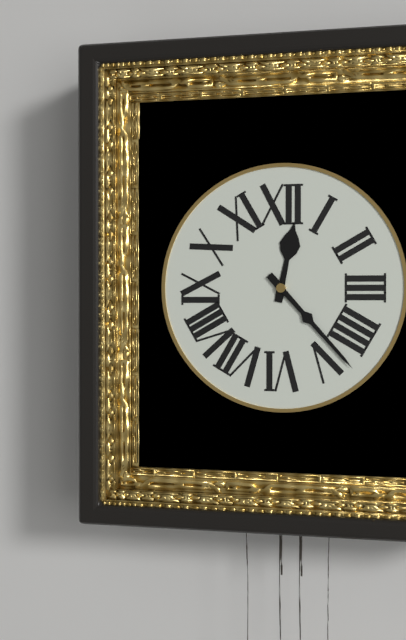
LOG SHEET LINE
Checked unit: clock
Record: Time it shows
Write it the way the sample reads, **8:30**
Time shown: **12:23**
